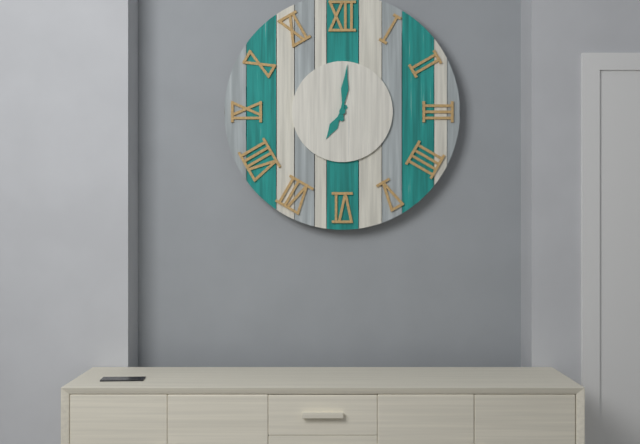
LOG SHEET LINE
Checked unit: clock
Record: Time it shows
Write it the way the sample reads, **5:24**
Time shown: **7:01**
